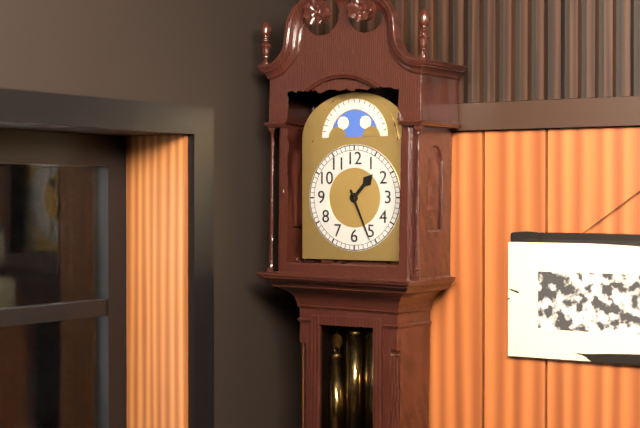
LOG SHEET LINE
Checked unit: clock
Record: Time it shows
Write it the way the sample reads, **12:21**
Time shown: **1:26**
